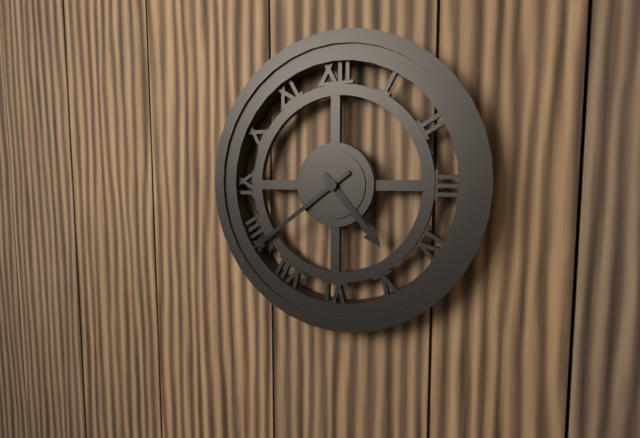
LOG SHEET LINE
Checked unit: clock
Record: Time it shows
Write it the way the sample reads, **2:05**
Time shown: **4:39**
